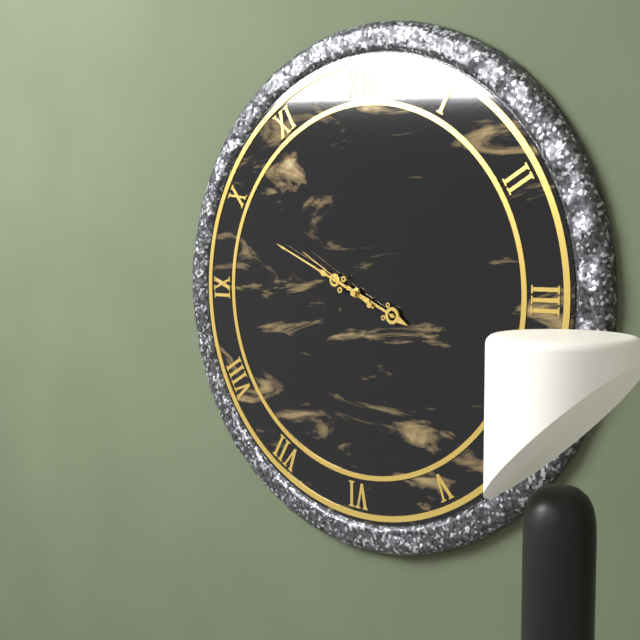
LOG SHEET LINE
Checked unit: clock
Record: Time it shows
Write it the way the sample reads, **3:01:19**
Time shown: **3:49:50**
